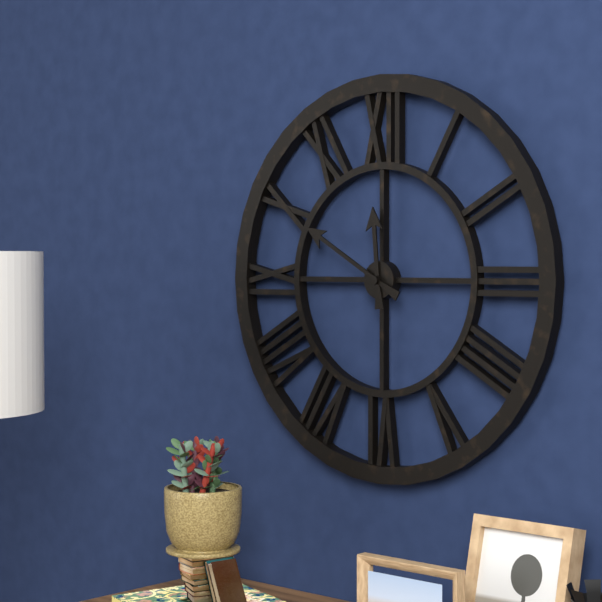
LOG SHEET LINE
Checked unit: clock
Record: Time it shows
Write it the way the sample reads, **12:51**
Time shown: **11:50**
